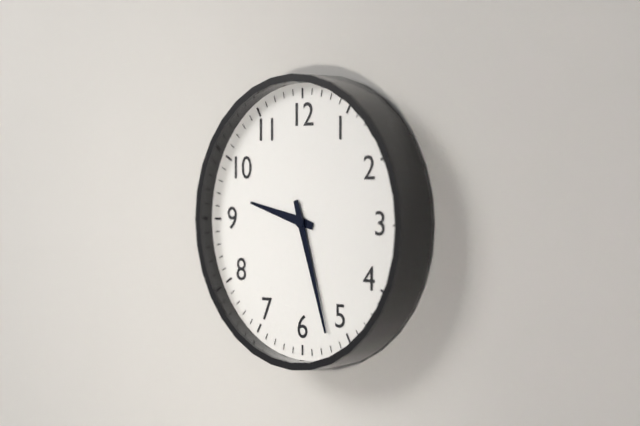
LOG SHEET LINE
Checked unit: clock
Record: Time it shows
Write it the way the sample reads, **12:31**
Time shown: **9:27**
